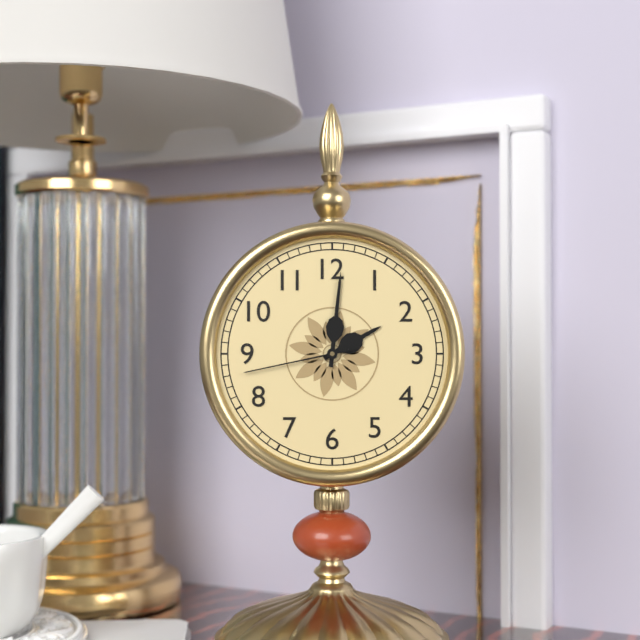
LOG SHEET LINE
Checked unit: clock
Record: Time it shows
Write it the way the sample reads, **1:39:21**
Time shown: **2:01:43**
